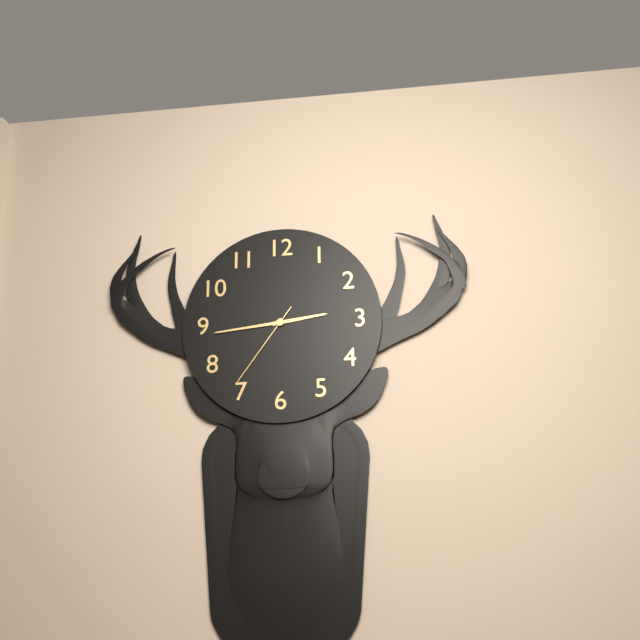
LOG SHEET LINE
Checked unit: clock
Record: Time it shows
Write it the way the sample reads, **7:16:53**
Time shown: **2:44:36**
